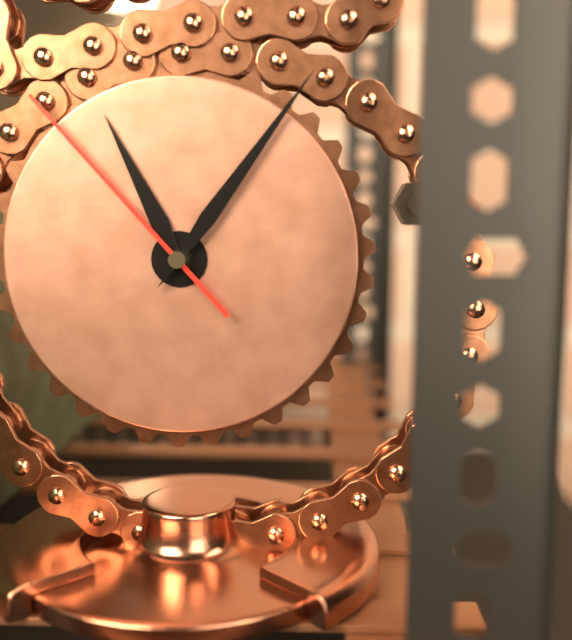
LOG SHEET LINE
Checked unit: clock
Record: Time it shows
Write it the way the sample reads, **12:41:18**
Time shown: **11:06:53**
